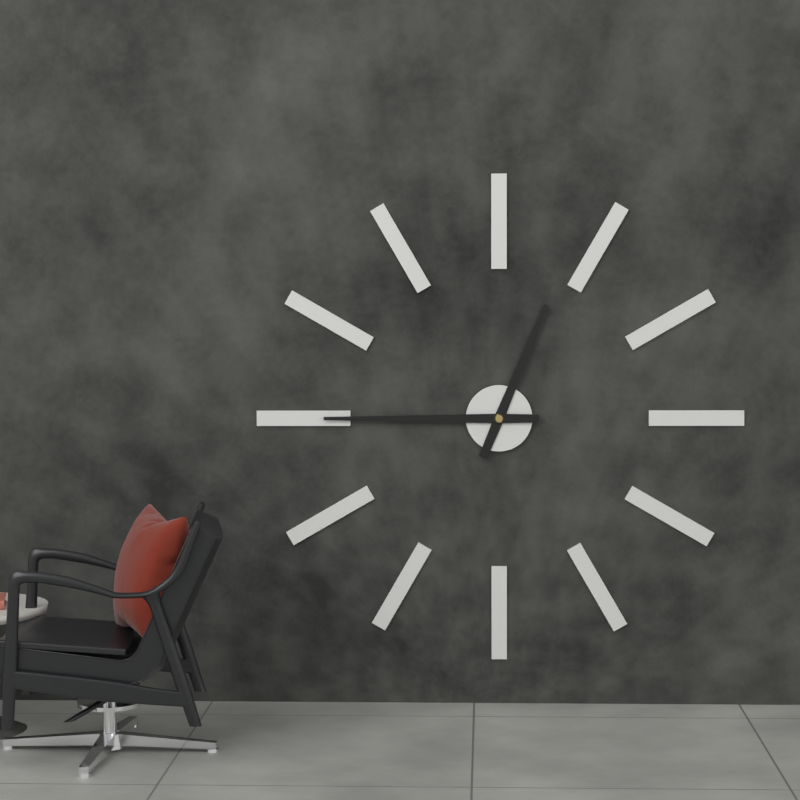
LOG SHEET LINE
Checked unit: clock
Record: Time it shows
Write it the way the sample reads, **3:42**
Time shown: **12:45**
